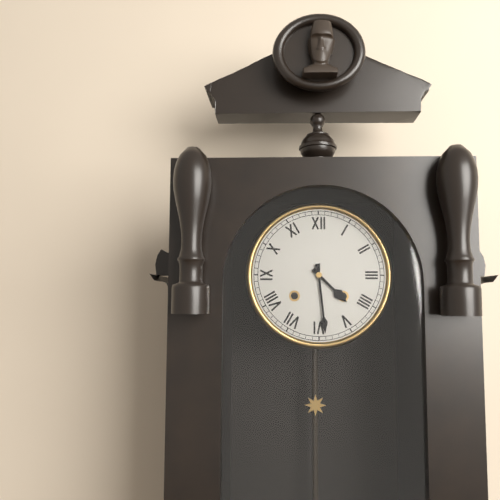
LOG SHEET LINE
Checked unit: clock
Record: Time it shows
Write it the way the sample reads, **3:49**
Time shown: **4:29**
